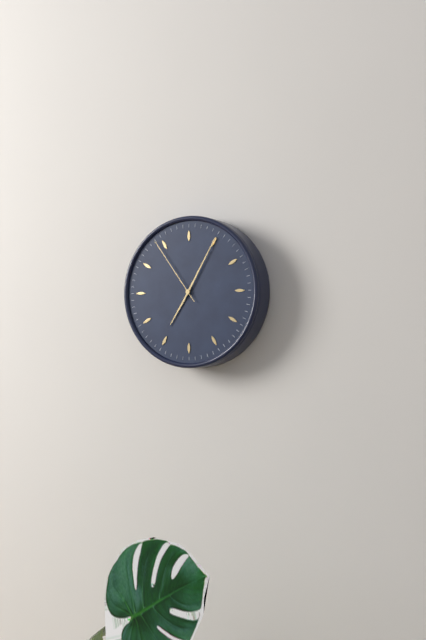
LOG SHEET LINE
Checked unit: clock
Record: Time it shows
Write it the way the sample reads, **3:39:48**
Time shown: **7:05:54**
